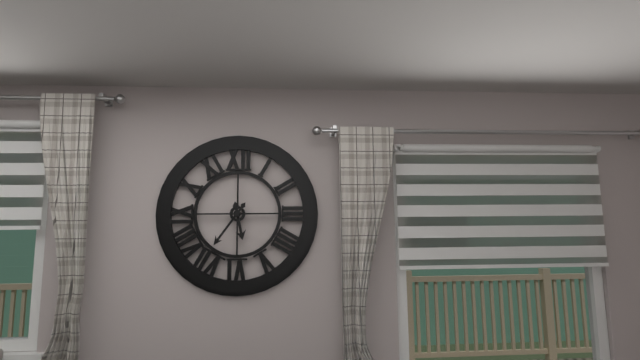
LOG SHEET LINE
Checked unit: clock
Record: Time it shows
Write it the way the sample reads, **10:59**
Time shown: **5:36**
